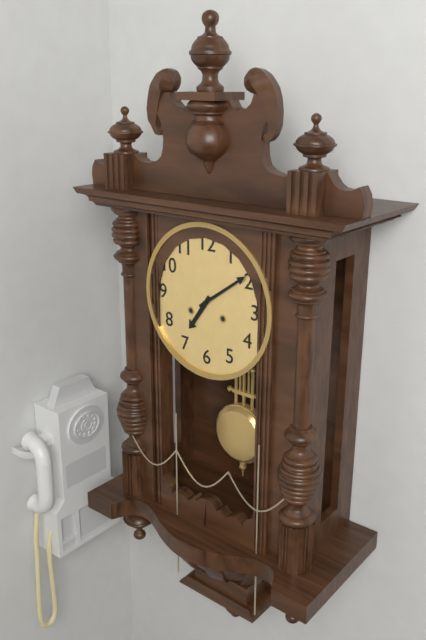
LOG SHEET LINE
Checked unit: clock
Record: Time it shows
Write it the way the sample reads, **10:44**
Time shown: **7:09**
